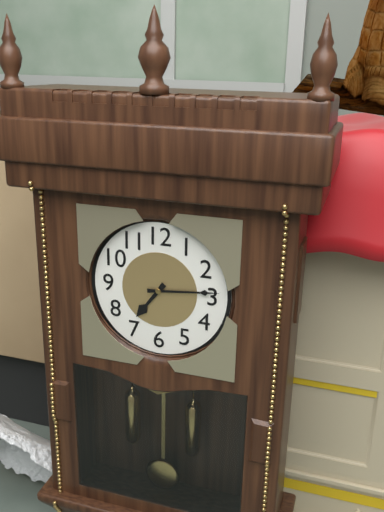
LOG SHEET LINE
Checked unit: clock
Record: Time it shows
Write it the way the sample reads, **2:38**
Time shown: **7:14**
